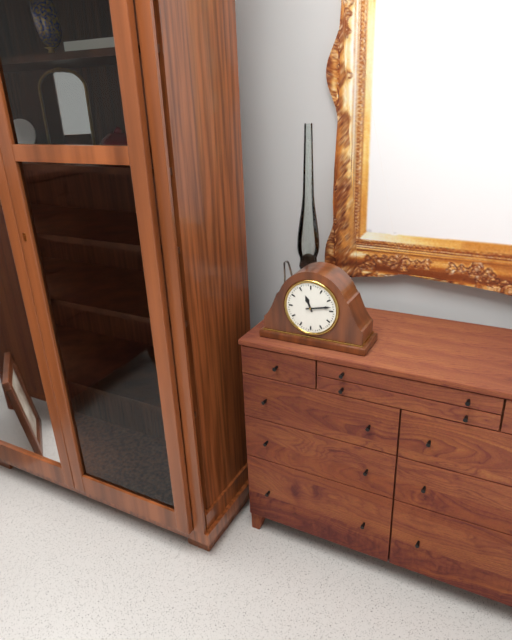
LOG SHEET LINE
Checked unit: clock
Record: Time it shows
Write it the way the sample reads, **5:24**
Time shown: **11:13**
